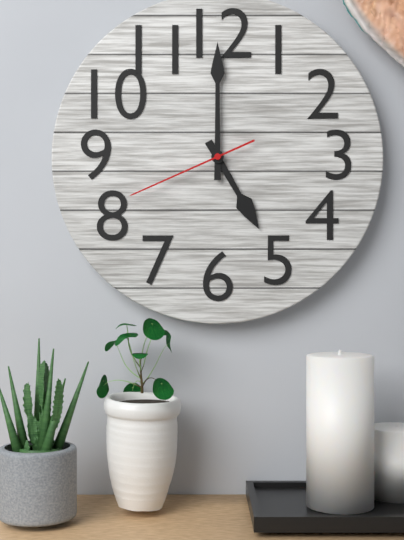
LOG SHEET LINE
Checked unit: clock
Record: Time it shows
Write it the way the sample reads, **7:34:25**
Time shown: **5:00:41**
